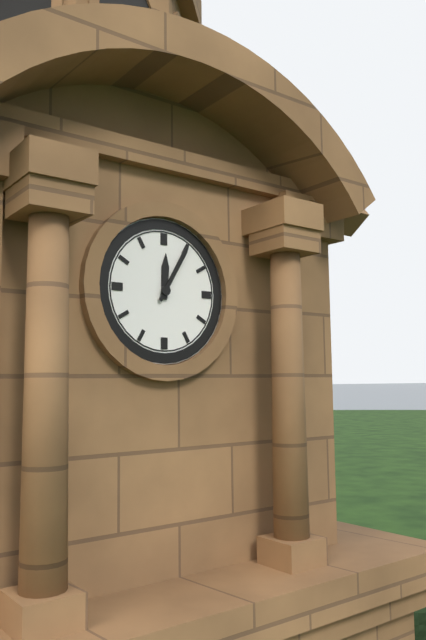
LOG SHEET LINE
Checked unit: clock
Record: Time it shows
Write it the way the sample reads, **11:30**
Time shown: **12:05**
